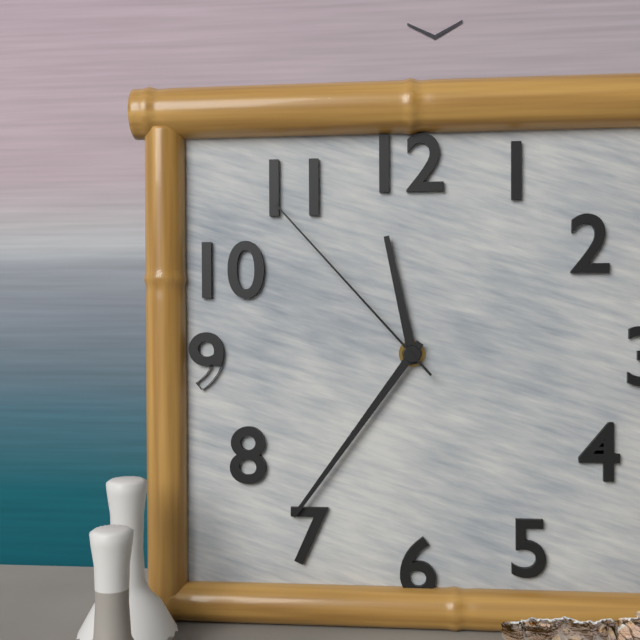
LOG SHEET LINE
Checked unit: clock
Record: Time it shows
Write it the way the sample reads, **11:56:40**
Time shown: **11:36:53**
